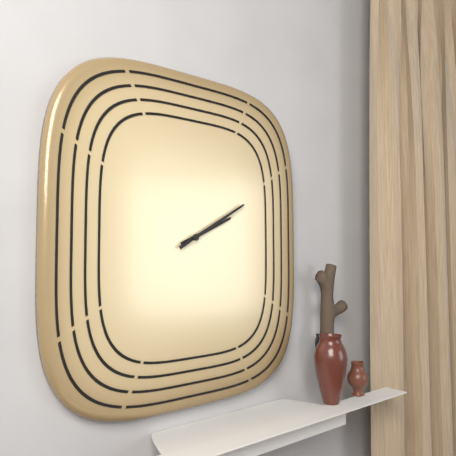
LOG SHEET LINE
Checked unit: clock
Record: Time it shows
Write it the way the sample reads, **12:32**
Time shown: **2:10**
